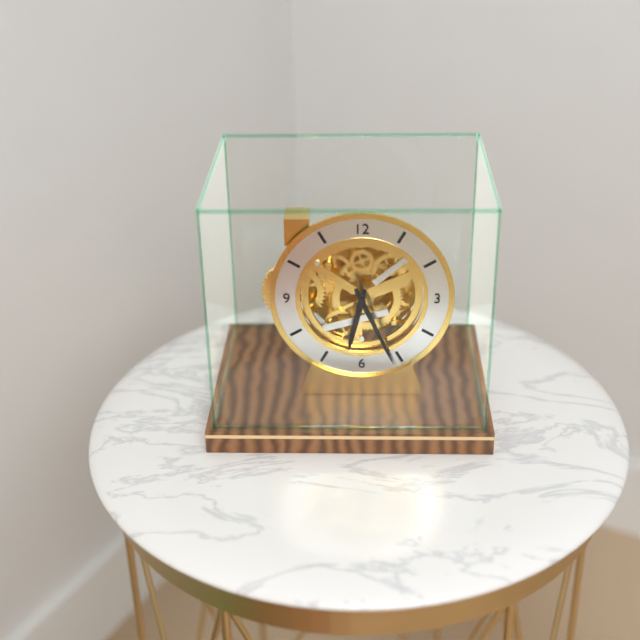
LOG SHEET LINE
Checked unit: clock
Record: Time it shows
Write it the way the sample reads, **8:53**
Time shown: **6:26**
